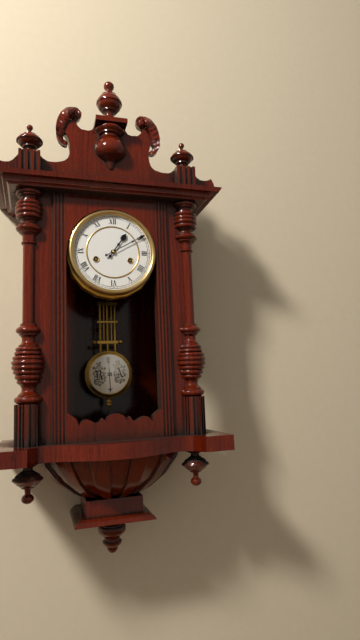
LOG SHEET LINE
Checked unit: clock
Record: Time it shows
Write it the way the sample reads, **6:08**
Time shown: **1:10**
